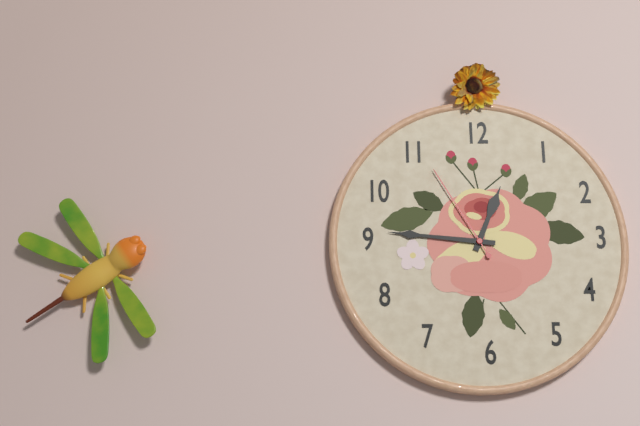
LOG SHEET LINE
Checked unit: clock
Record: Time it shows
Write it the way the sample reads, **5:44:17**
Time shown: **12:46:55**
